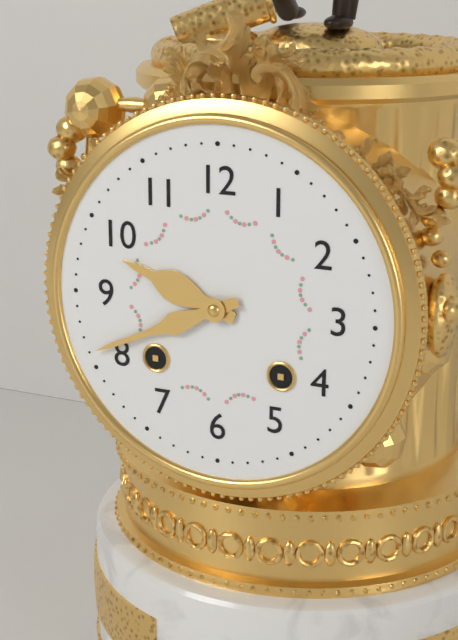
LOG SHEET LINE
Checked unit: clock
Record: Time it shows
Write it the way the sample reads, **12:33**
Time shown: **9:41**
